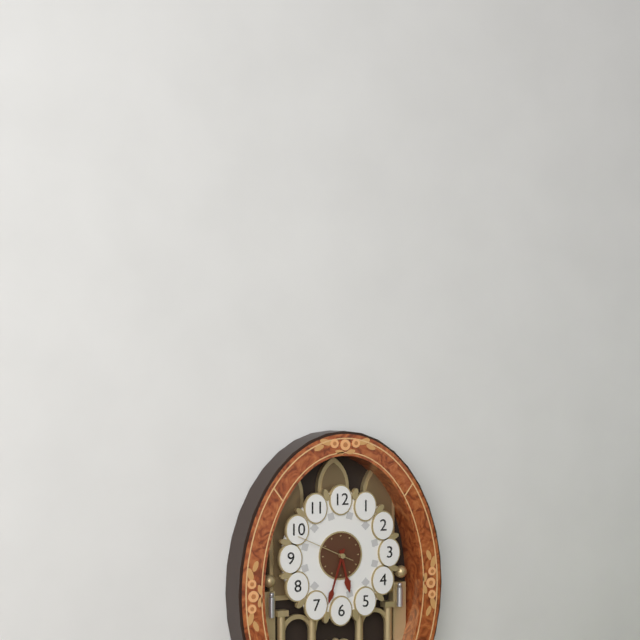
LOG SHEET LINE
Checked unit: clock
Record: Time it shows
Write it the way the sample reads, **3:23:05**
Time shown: **5:33:49**
